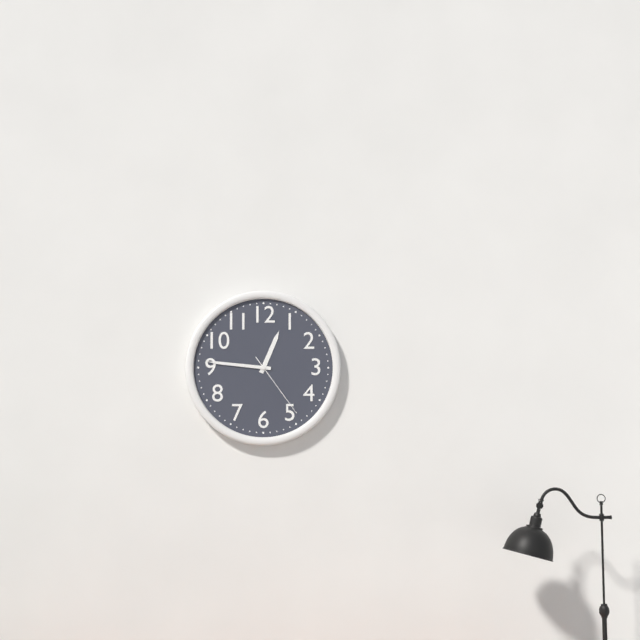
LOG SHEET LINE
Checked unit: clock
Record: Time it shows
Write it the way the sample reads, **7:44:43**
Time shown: **12:46:24**
